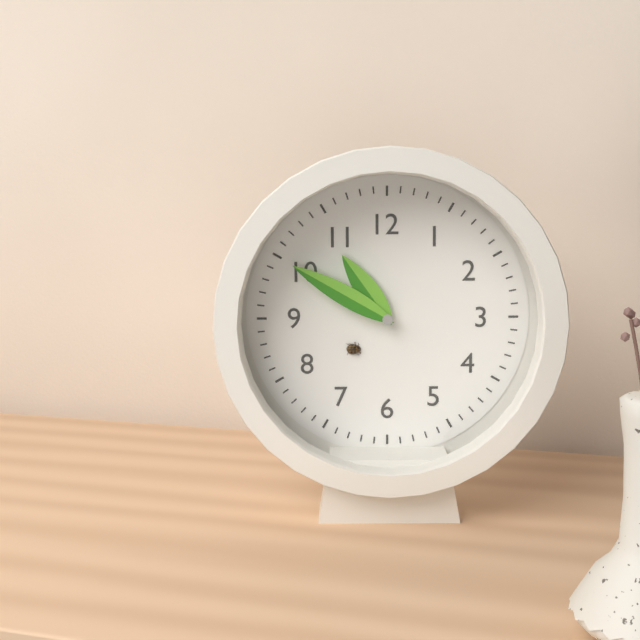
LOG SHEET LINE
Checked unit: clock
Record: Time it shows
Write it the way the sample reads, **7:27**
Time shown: **10:50**
